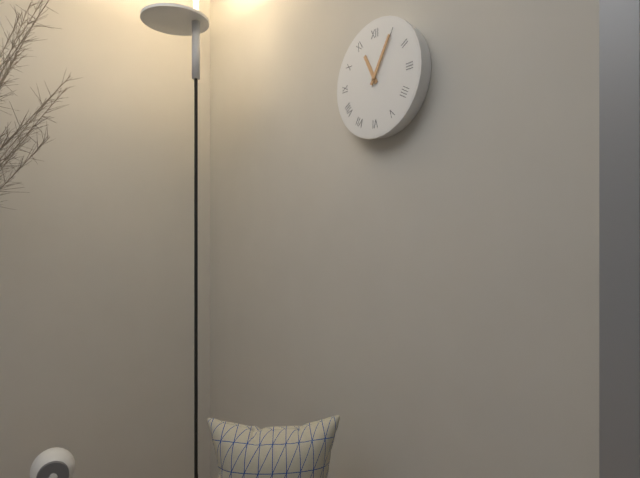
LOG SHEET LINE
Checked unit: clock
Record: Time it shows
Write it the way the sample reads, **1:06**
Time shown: **11:05**
